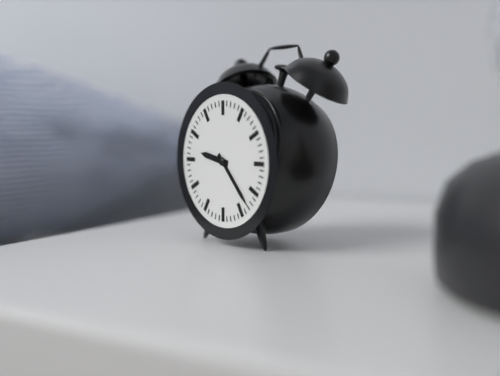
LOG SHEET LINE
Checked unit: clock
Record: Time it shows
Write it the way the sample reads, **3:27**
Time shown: **9:23**
